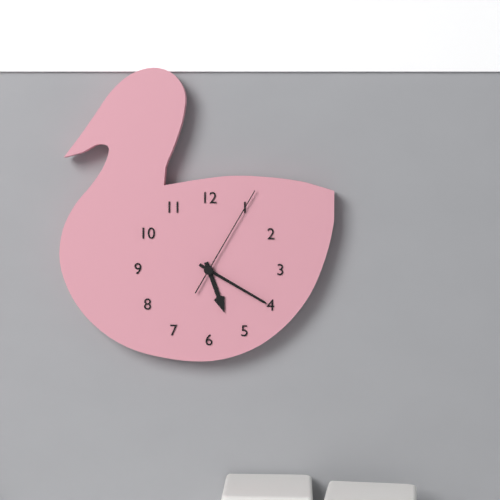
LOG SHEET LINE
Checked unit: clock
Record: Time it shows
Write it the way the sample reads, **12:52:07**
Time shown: **5:20:05**
